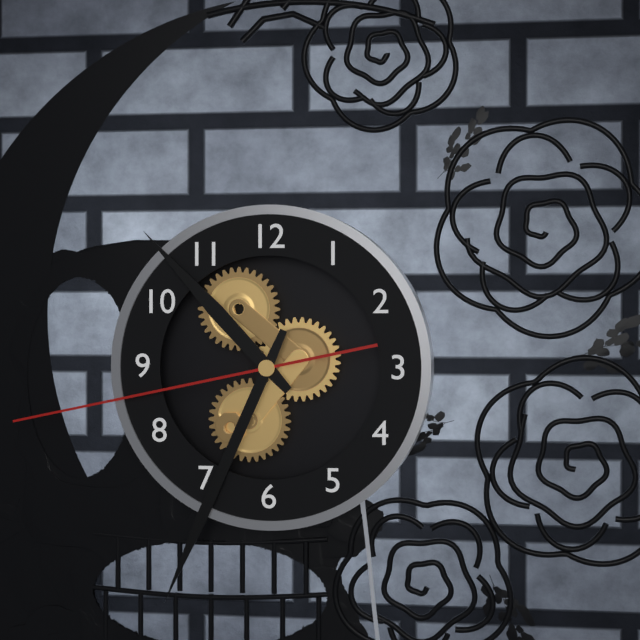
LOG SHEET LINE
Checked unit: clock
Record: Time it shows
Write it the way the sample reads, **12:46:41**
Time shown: **10:34:43**
